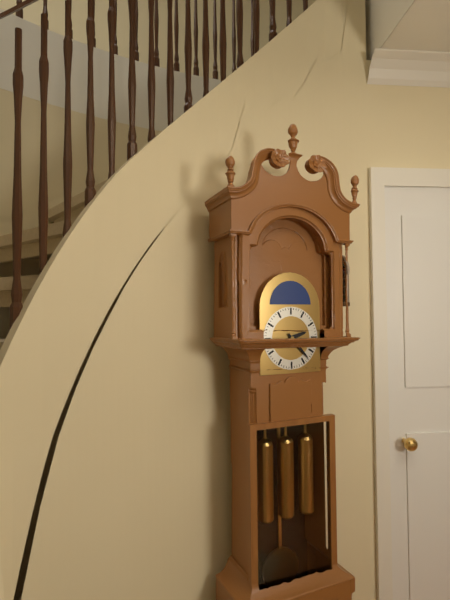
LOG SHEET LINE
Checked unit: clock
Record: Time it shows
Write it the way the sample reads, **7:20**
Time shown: **2:23**
